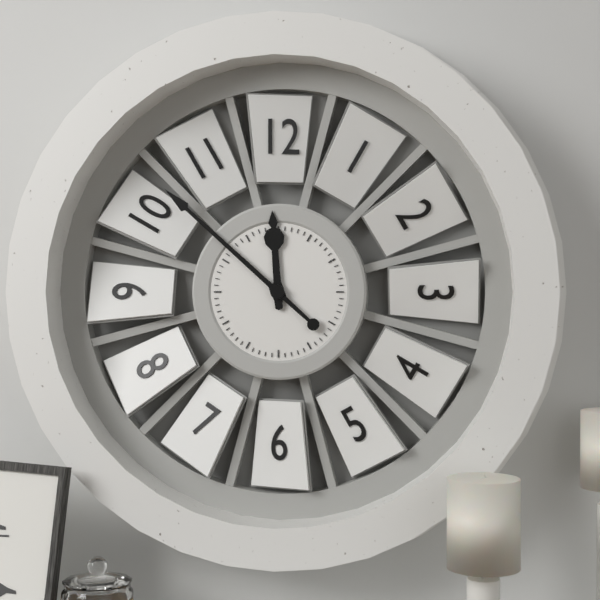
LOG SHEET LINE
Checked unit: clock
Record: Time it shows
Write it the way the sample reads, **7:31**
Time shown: **11:52**
